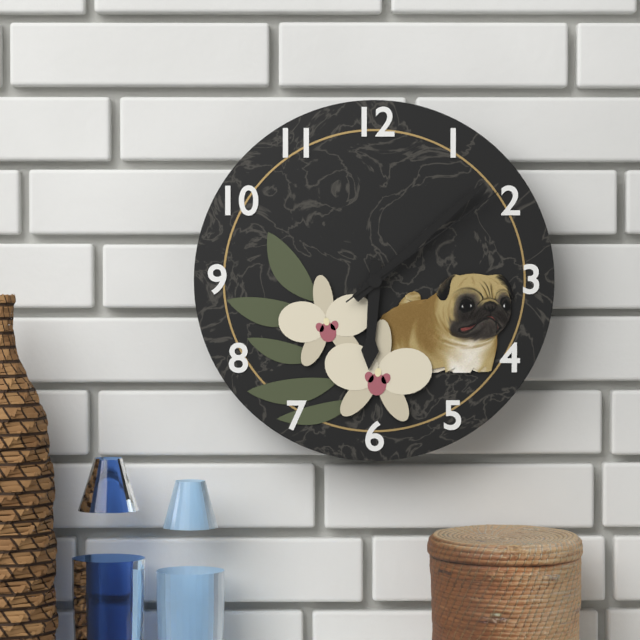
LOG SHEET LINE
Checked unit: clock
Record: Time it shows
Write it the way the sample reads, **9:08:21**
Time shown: **6:08:09**
